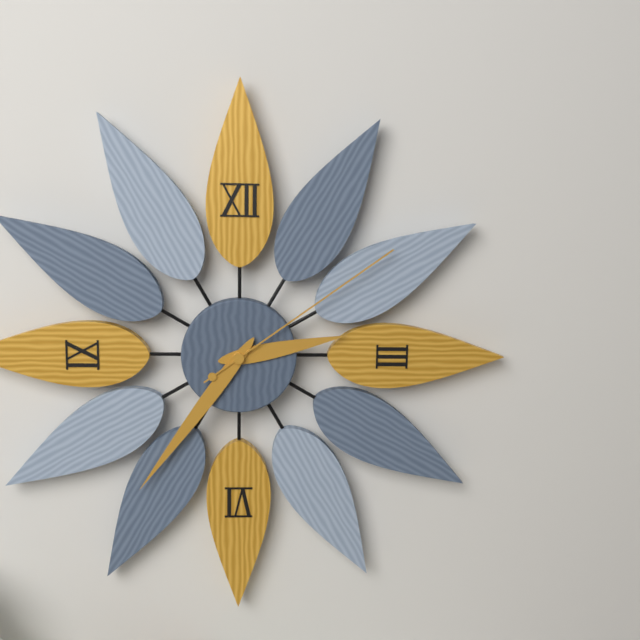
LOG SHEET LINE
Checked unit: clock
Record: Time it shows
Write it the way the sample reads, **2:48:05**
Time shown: **2:36:09**
